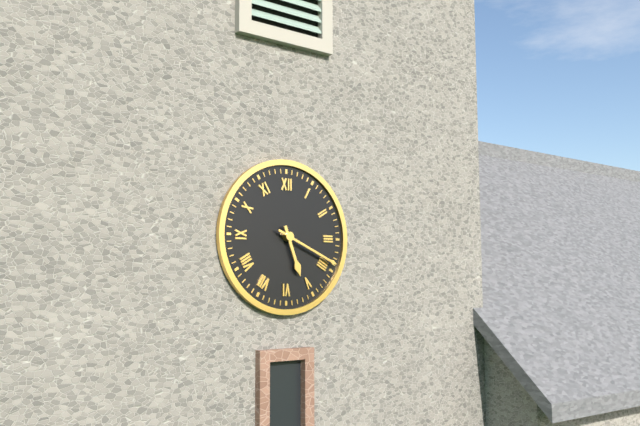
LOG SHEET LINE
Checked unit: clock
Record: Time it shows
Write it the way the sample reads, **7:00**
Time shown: **5:19**
